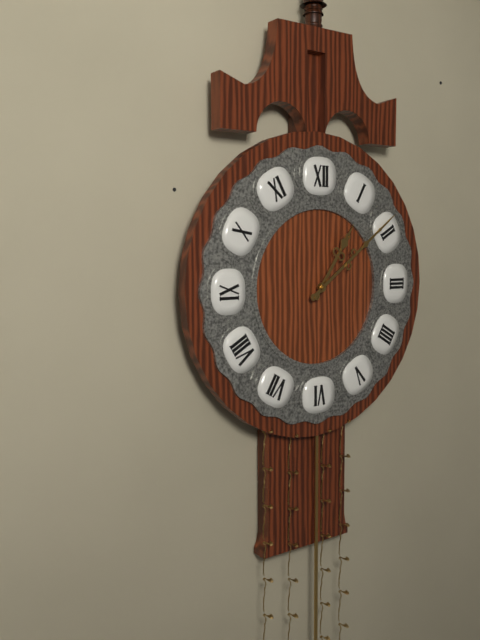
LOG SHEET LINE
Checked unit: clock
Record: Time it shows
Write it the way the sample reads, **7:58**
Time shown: **1:09**
